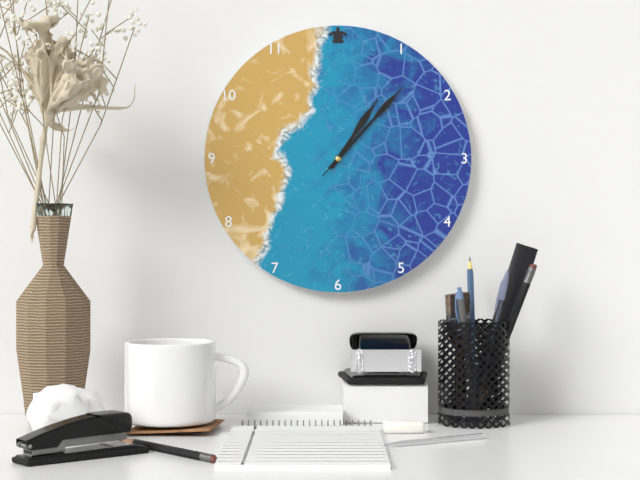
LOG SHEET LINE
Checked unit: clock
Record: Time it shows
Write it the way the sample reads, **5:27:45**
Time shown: **1:07:07**
